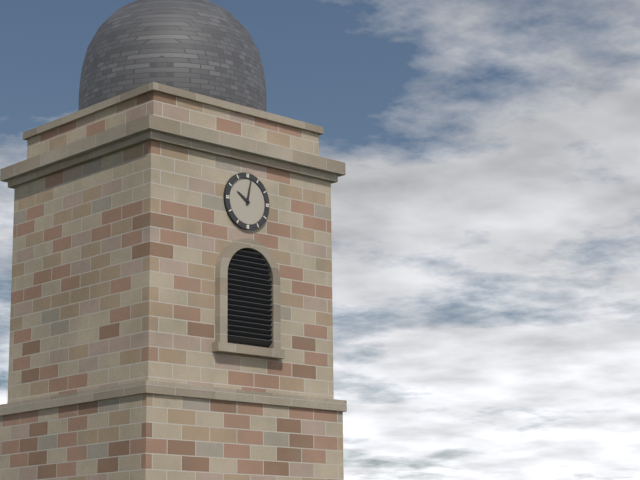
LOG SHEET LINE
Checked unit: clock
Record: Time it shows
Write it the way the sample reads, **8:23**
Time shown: **10:02**
